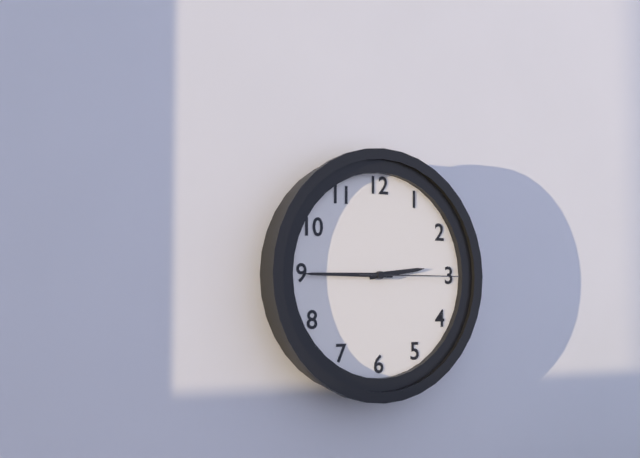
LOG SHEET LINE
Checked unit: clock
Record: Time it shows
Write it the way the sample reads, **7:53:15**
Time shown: **2:45:15**
